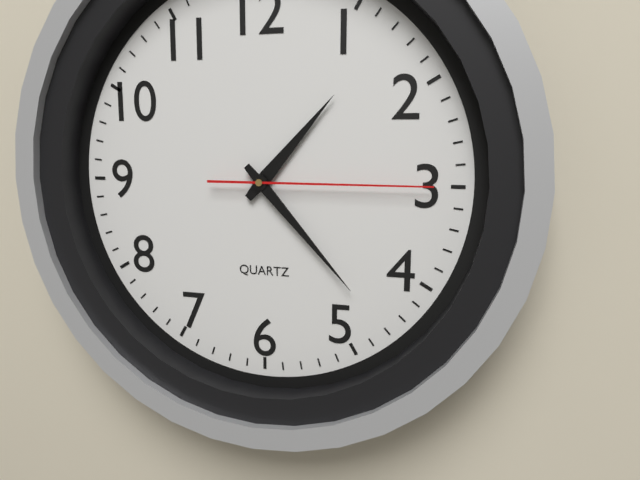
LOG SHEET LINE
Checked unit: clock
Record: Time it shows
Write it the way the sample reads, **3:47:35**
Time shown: **1:23:15**
